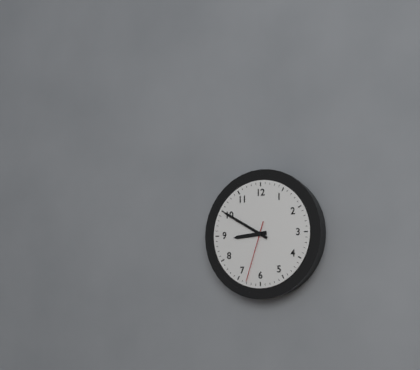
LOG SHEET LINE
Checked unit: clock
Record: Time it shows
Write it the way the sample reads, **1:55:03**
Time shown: **8:50:33**
